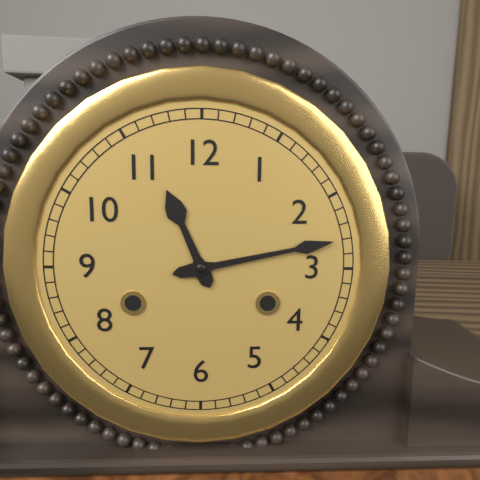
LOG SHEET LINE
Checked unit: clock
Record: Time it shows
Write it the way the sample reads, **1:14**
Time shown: **11:13**
